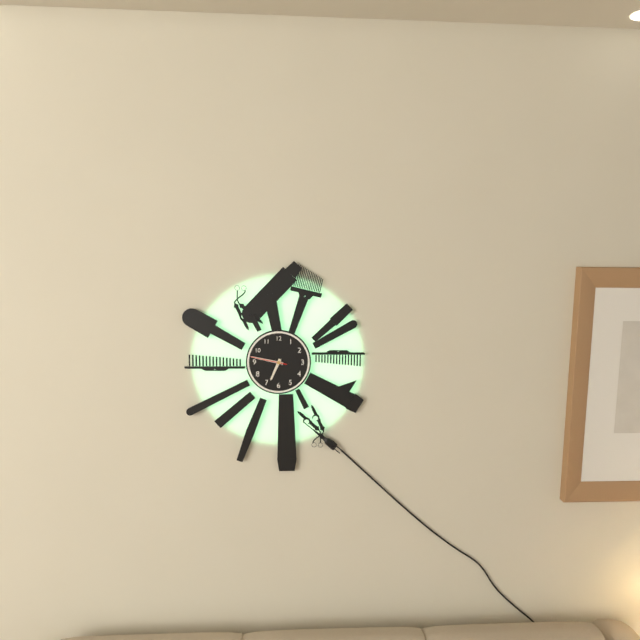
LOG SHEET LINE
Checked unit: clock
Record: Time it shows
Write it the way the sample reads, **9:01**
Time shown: **6:47**
